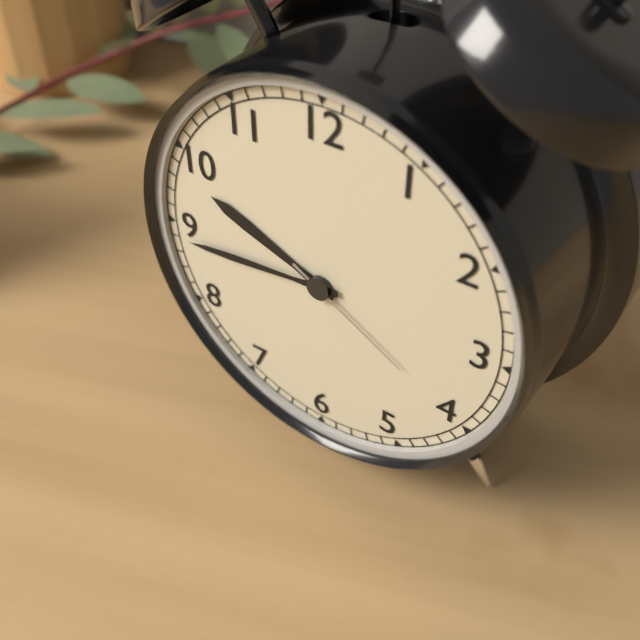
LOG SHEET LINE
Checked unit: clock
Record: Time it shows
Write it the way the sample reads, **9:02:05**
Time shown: **9:44:20**
